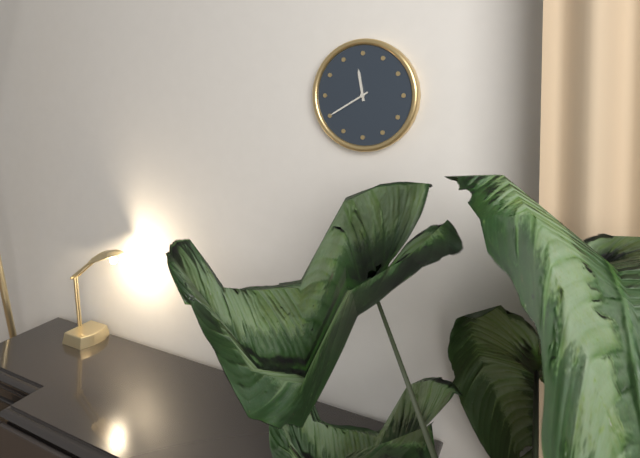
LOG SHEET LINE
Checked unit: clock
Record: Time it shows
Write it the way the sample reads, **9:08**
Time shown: **11:40**
